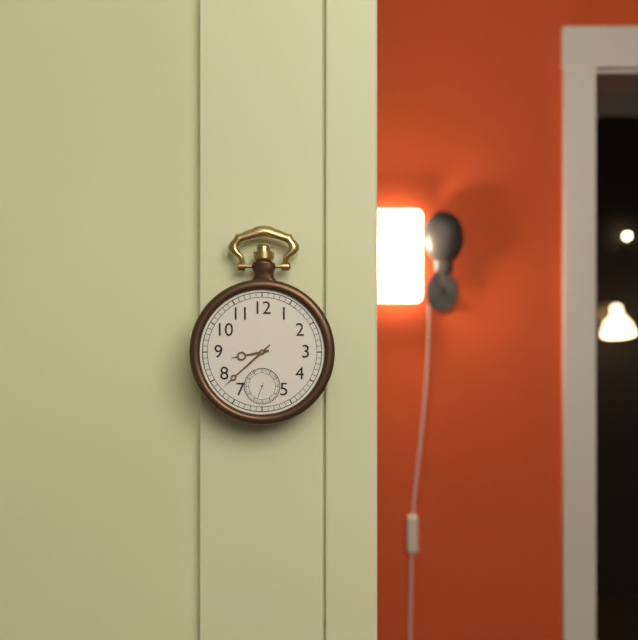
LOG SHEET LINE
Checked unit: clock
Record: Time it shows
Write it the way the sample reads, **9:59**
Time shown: **8:38**
